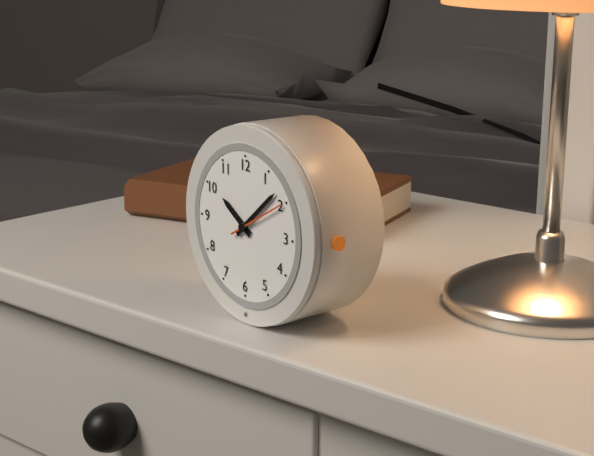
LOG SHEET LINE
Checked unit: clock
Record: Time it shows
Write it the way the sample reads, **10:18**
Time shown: **10:08**
